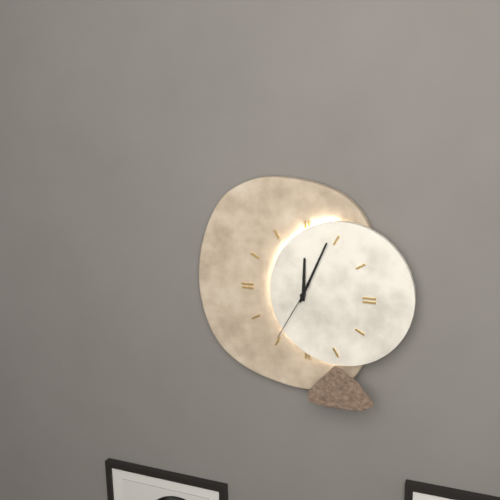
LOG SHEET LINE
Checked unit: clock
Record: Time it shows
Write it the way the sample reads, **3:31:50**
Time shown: **12:04:35**
